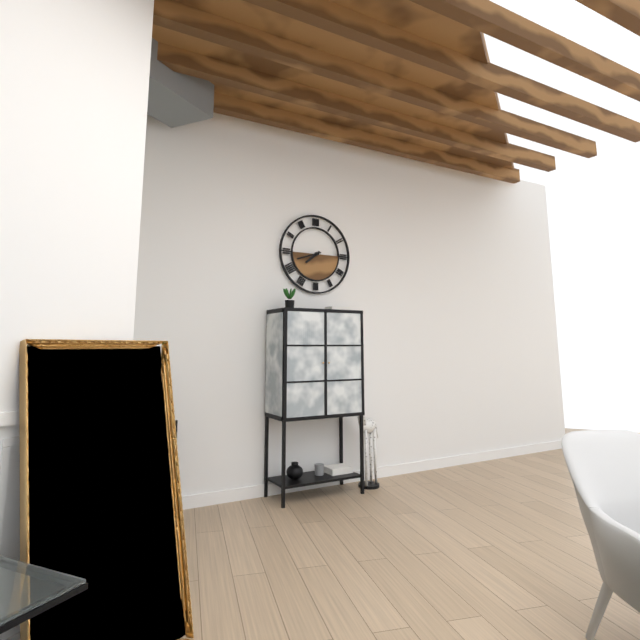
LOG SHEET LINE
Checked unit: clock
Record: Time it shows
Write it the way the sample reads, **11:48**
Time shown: **7:42**
